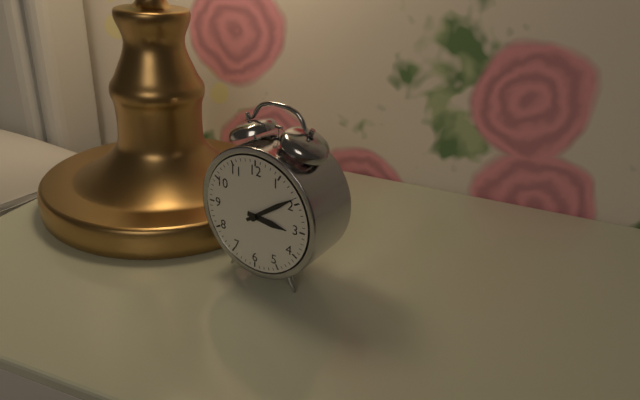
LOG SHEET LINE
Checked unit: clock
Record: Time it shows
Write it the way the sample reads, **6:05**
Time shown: **3:09**
